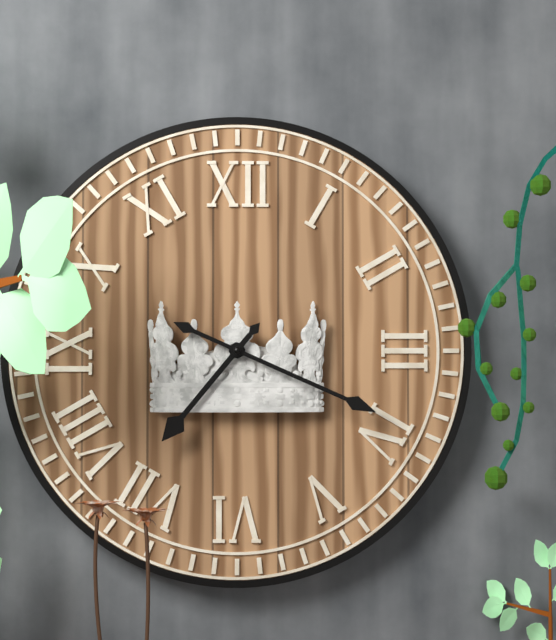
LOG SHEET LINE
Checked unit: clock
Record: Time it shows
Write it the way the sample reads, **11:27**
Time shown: **7:19**
